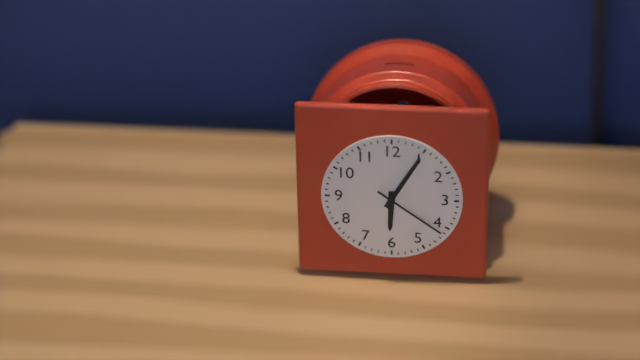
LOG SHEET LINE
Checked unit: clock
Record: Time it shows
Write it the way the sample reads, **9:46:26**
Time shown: **6:05:21**
